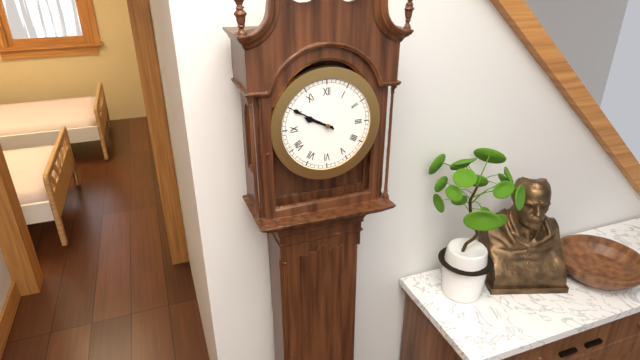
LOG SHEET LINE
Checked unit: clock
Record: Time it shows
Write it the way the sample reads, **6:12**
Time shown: **9:50**
